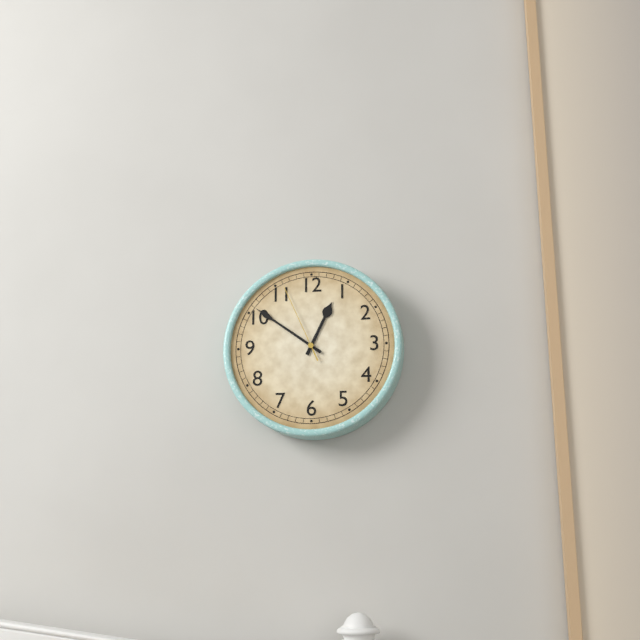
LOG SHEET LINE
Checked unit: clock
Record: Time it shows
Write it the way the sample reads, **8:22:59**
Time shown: **12:51:56**
